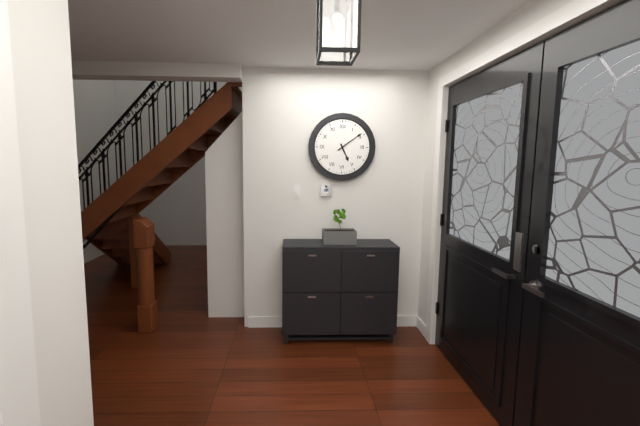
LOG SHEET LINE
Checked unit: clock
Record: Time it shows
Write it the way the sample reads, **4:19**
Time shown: **5:09**
